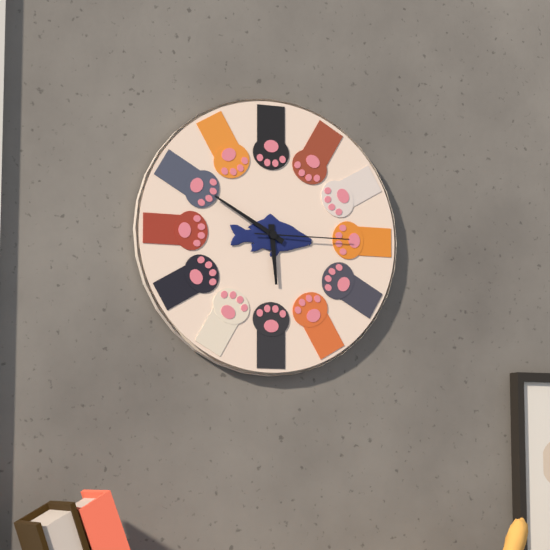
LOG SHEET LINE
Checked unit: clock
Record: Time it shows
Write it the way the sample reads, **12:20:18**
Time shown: **5:50:15**
